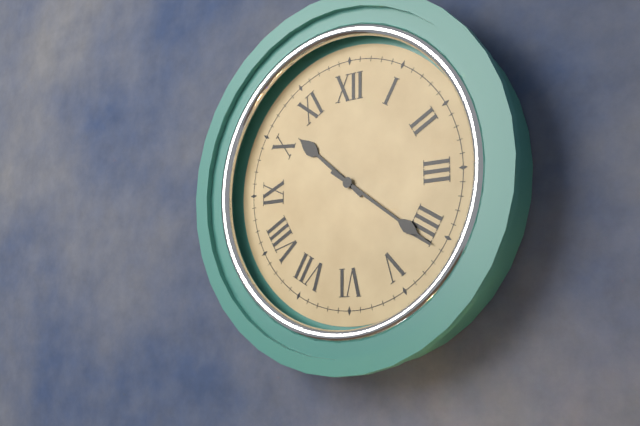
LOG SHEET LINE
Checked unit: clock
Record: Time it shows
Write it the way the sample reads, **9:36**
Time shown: **10:21**
